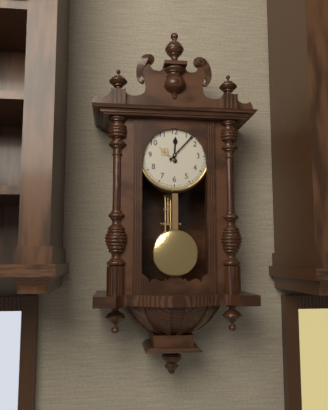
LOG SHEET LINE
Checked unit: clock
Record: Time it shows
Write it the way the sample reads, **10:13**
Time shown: **12:07**
